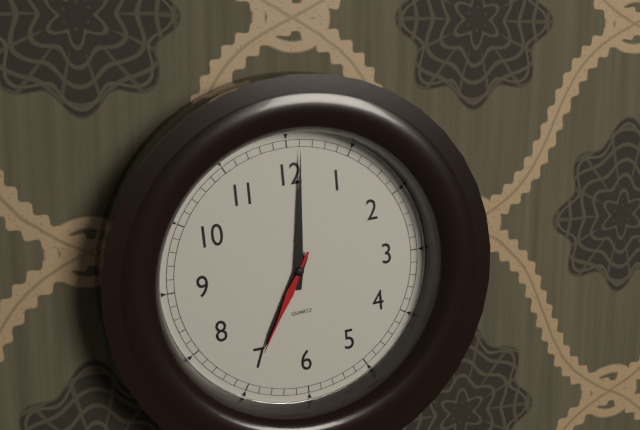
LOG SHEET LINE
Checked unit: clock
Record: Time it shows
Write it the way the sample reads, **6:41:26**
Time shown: **7:01:35**
